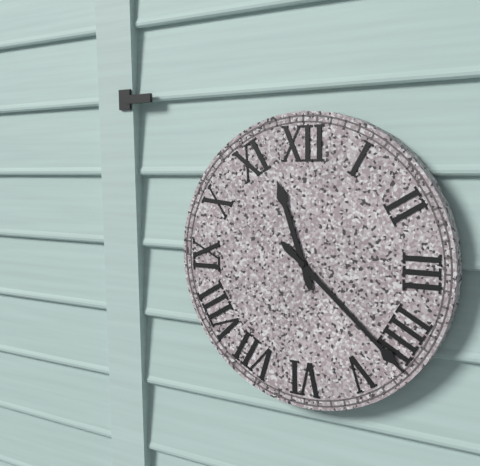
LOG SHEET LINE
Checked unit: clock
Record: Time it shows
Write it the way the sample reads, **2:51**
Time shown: **11:22**
